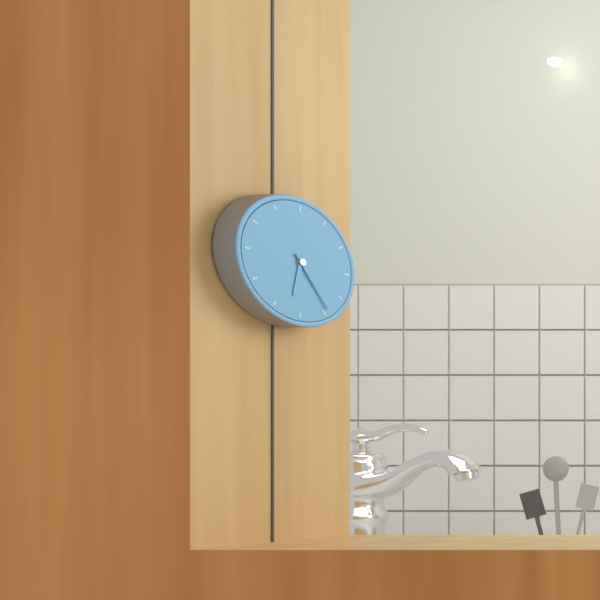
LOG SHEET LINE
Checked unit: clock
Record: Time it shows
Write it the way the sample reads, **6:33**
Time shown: **6:24**
